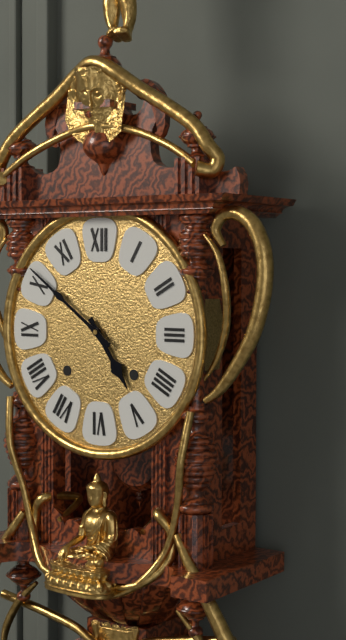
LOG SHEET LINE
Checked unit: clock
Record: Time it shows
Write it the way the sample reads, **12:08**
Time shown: **4:51**
